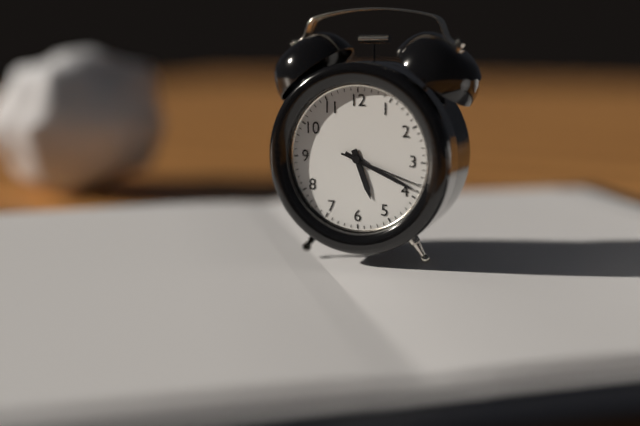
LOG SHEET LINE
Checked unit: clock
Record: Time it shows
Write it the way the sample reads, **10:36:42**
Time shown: **5:19:18**
